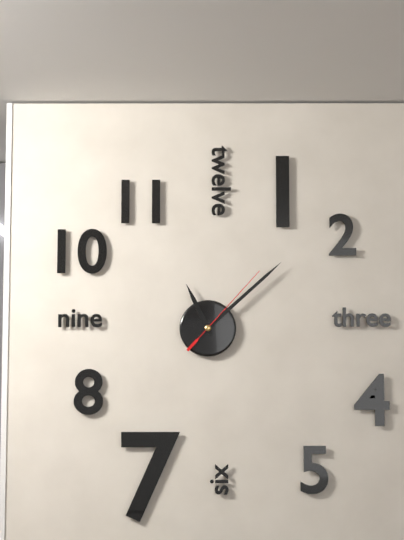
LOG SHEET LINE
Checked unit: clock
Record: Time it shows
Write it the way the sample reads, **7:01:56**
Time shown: **11:08:07**
